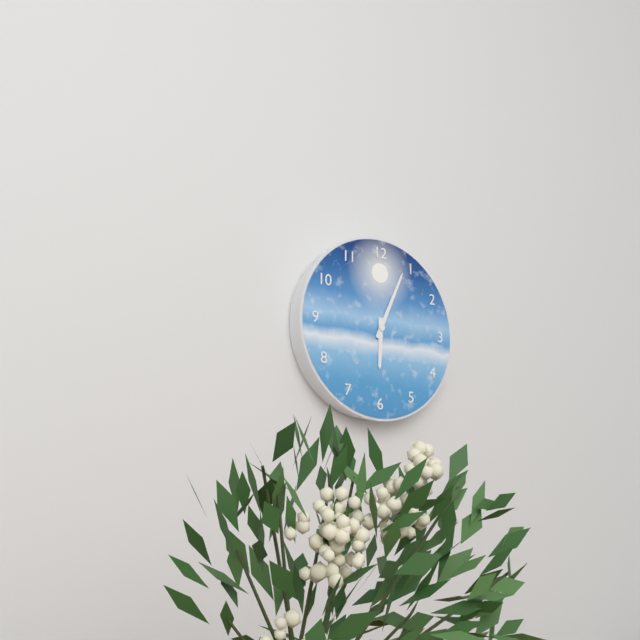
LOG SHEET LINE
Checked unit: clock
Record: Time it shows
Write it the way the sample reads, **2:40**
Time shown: **6:04**
